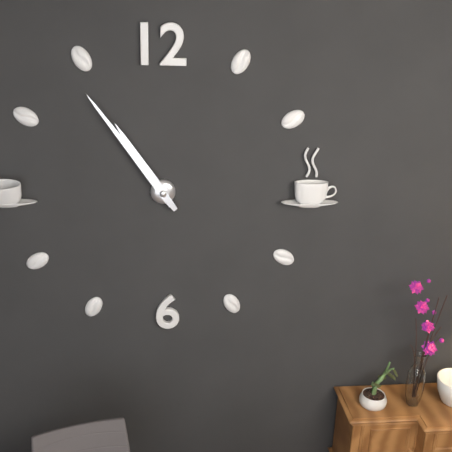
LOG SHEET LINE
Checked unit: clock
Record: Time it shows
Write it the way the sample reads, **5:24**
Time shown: **10:54**
